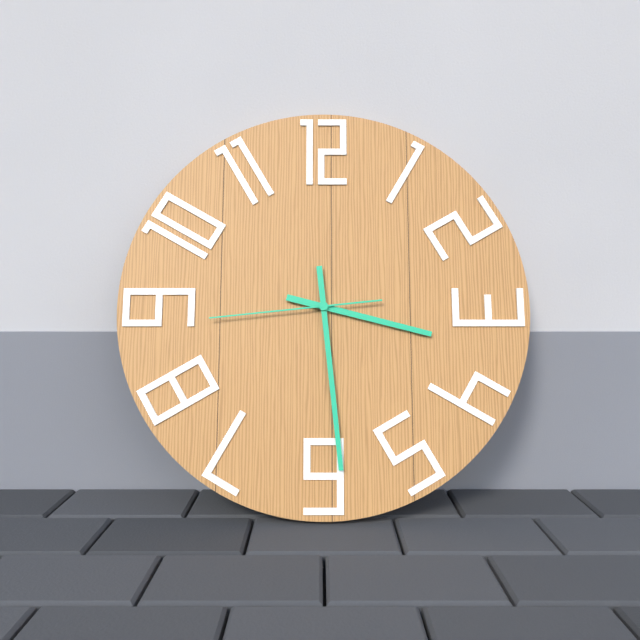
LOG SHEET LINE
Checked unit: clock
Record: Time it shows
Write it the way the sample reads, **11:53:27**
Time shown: **3:29:44**
